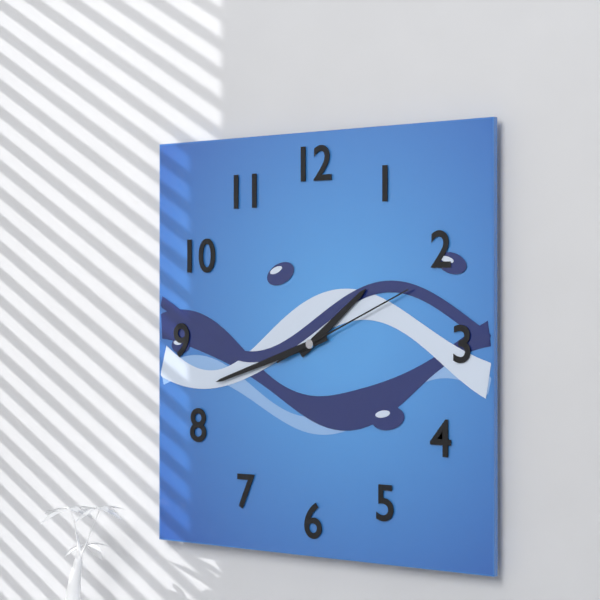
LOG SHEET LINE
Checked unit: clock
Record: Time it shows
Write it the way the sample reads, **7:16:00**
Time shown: **1:42:11**
